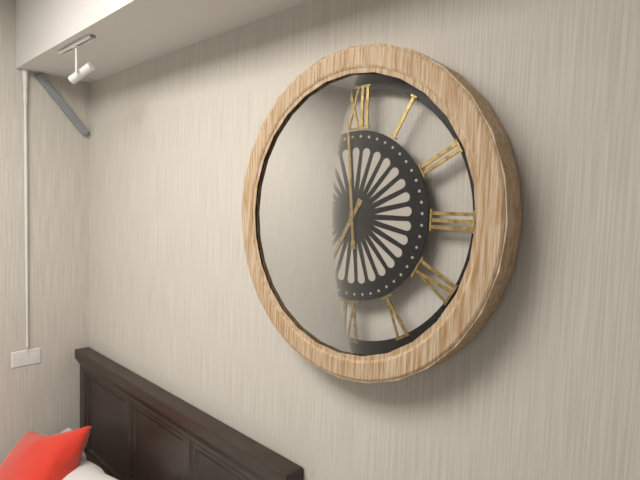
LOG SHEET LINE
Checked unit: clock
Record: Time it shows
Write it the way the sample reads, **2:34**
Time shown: **6:59**
